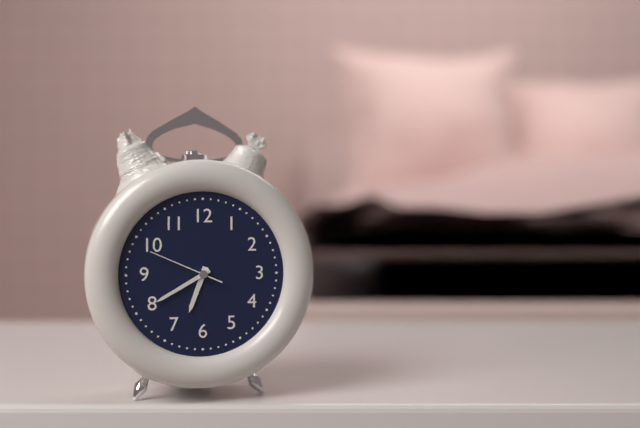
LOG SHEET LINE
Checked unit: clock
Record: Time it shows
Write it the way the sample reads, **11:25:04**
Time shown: **6:40:49**
